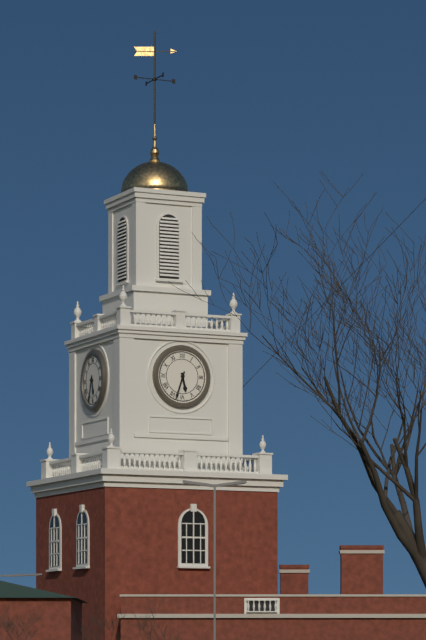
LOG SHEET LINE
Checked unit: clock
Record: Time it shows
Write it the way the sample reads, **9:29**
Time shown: **5:33**
